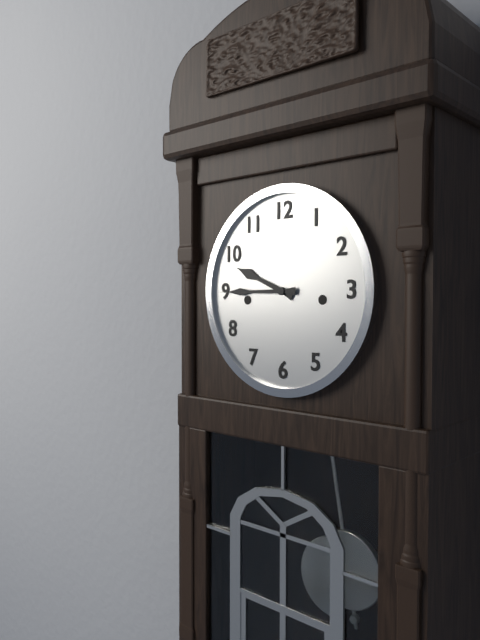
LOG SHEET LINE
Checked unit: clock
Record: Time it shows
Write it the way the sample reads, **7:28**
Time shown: **9:45**
